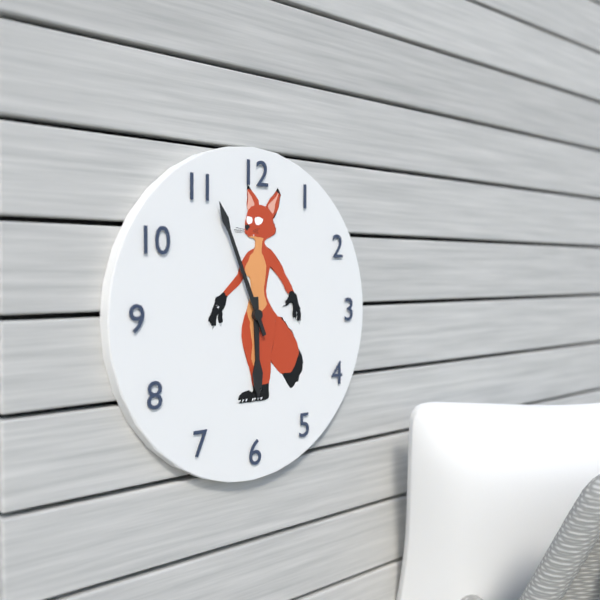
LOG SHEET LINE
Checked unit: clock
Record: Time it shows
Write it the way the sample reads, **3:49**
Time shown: **5:56**
